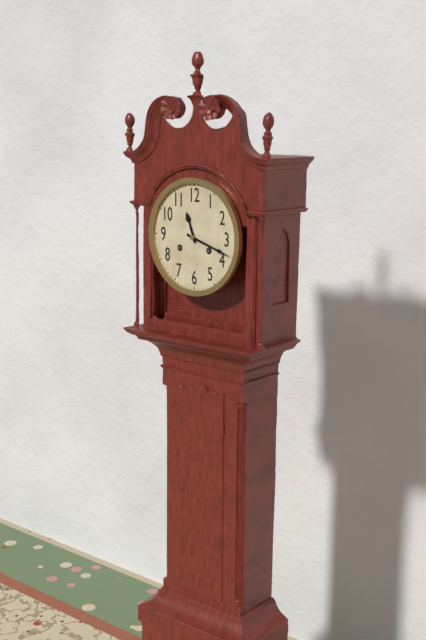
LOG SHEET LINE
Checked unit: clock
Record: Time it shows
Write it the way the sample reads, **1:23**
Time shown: **11:18**
